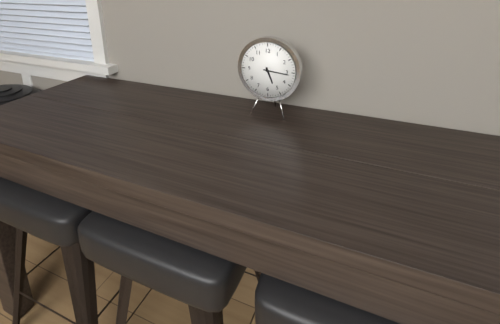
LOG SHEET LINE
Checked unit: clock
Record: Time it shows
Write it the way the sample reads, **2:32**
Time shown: **5:16**
